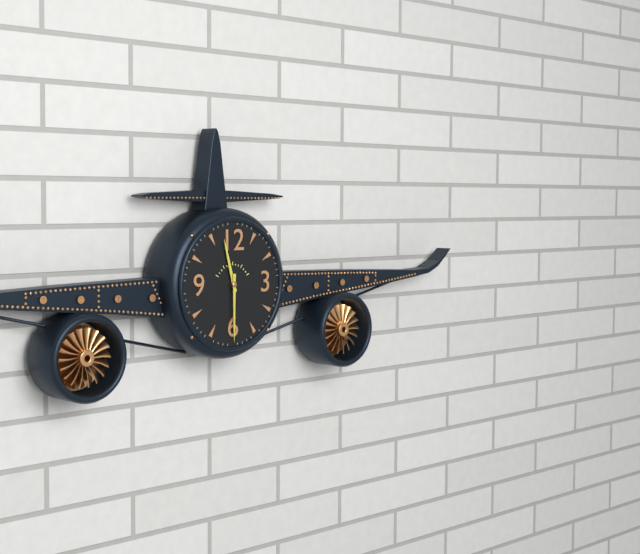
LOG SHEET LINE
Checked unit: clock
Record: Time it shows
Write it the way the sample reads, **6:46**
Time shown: **11:30**
